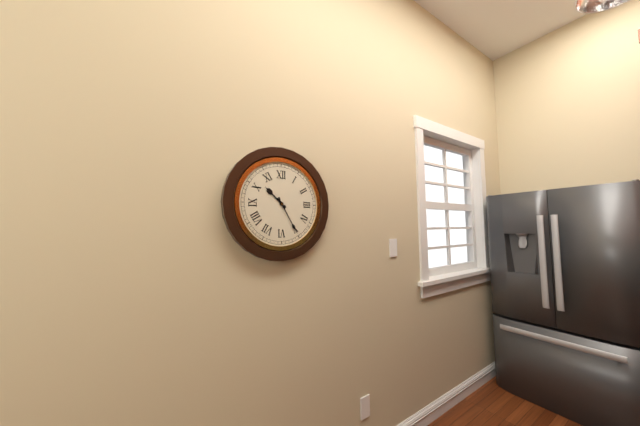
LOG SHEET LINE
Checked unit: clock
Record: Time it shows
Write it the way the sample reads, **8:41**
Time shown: **10:25**
